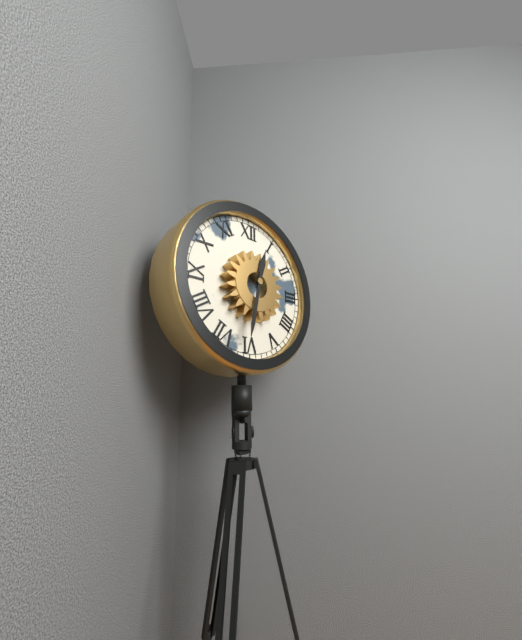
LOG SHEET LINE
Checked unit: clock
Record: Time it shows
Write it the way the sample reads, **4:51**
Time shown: **12:32**
